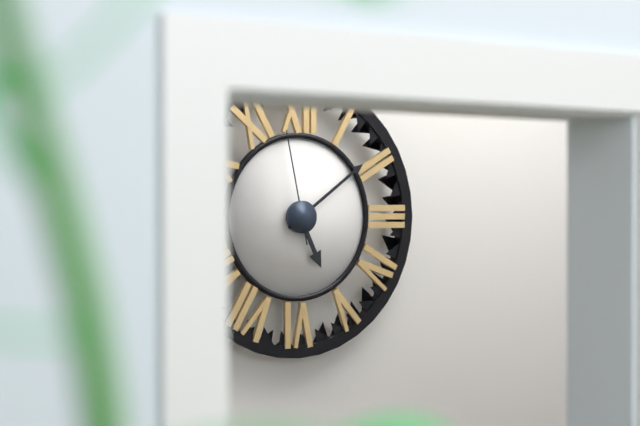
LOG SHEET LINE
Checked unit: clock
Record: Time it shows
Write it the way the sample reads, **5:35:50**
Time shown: **5:09:58**
